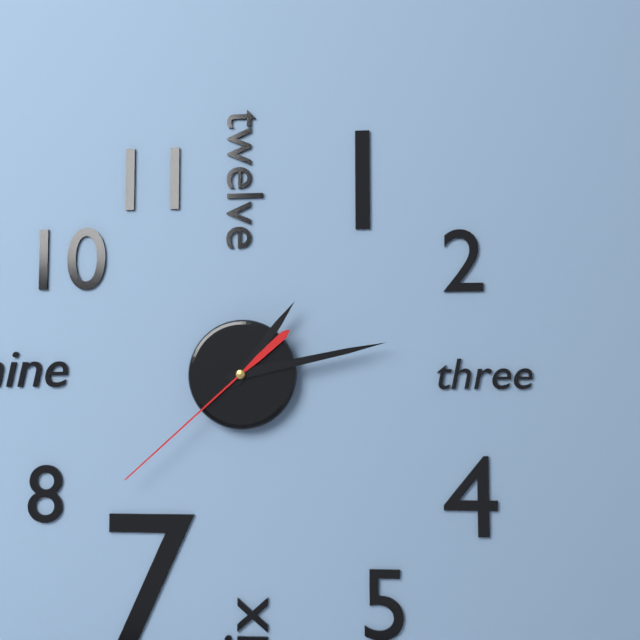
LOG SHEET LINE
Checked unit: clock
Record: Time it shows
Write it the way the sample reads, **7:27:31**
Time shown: **1:13:38**
